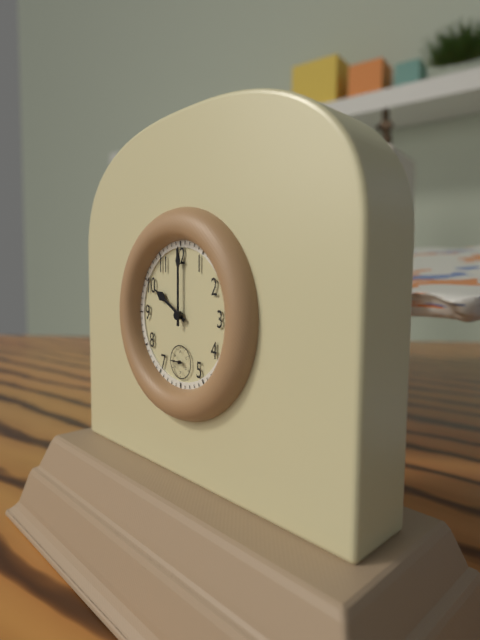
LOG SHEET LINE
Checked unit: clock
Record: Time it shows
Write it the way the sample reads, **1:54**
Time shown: **10:00**
